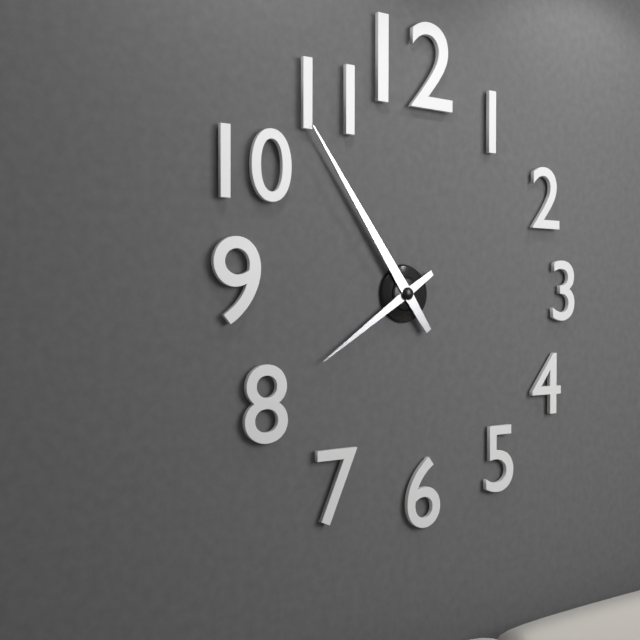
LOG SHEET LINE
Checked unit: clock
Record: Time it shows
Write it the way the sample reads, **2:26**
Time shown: **7:54**
